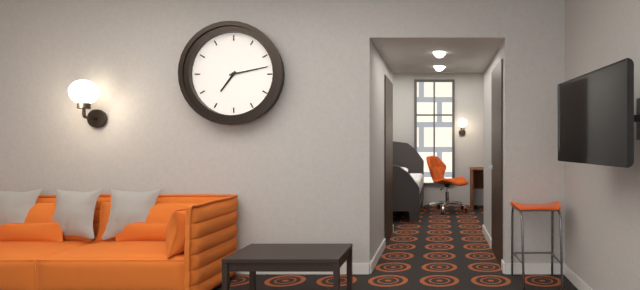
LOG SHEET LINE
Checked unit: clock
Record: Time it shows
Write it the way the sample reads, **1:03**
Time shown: **7:13**
